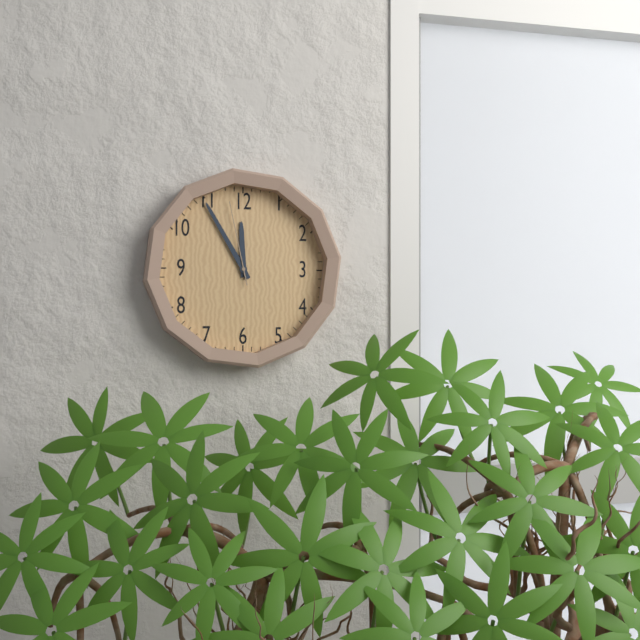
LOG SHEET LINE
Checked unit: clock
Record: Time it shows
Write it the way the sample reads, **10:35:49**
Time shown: **11:55:58**
